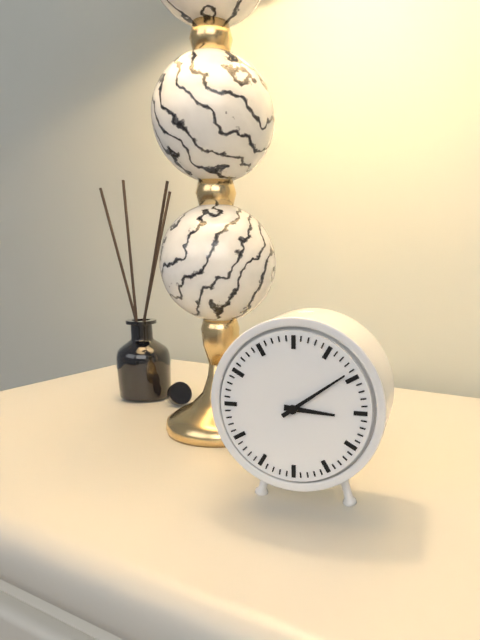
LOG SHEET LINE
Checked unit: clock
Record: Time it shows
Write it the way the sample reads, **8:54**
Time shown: **3:09**
